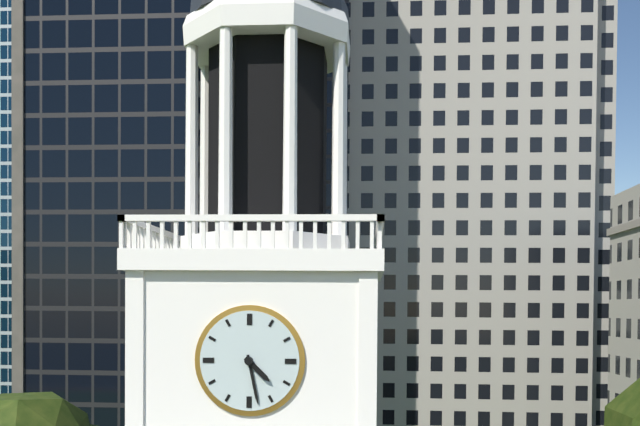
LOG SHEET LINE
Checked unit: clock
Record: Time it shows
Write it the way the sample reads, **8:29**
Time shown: **4:28**
